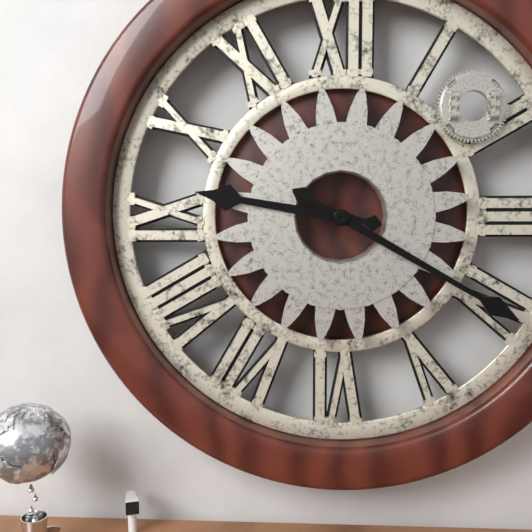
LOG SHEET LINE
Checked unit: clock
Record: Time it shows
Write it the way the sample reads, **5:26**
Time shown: **9:20**
